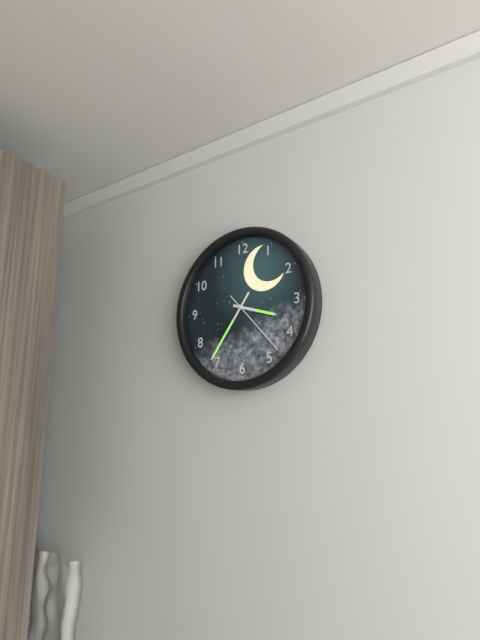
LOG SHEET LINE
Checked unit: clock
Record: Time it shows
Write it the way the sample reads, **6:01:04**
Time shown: **3:36:23**
